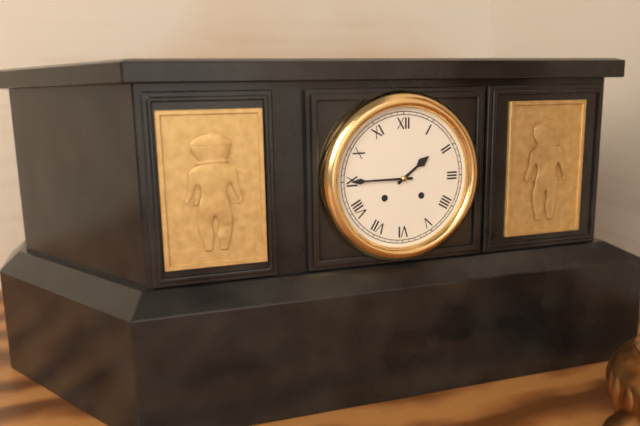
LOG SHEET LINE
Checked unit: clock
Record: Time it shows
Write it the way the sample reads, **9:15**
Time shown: **1:45**
